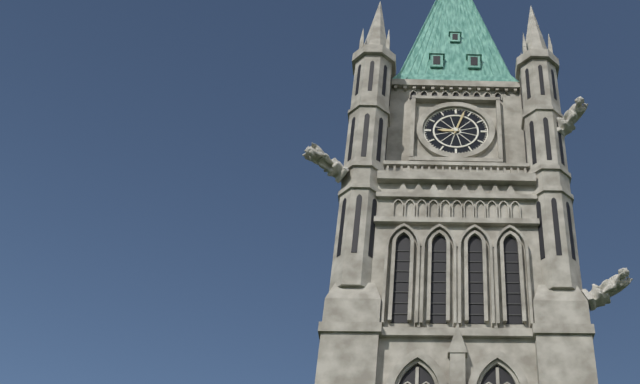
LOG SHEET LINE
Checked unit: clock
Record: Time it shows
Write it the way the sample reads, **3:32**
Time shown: **9:03**
